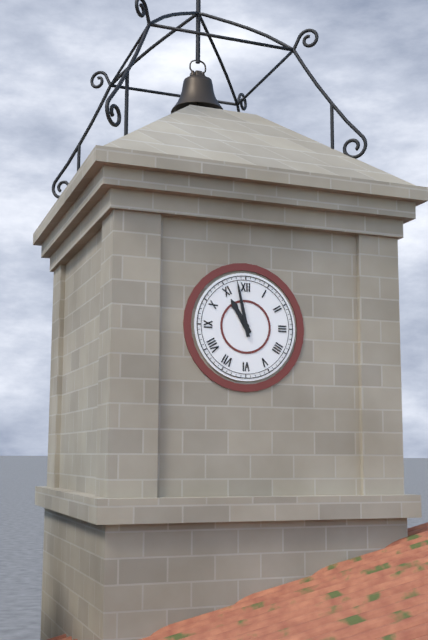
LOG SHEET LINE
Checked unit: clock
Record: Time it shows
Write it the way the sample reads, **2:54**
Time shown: **10:58**
